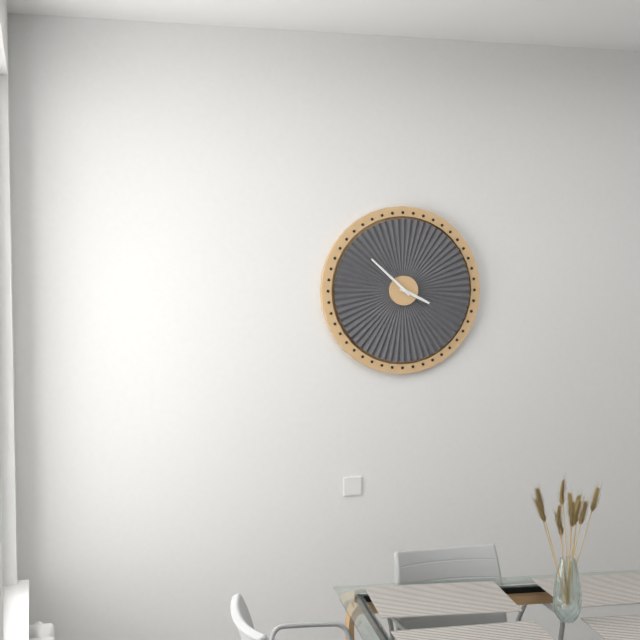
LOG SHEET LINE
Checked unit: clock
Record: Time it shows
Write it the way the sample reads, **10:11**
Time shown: **3:52**
